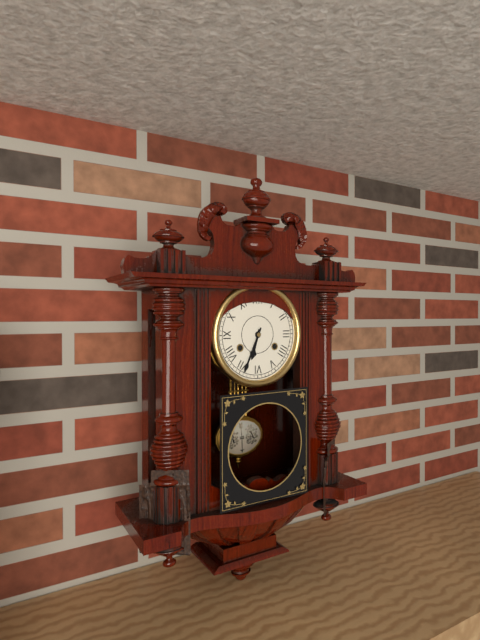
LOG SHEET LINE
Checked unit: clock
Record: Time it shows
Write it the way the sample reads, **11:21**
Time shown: **6:34**
